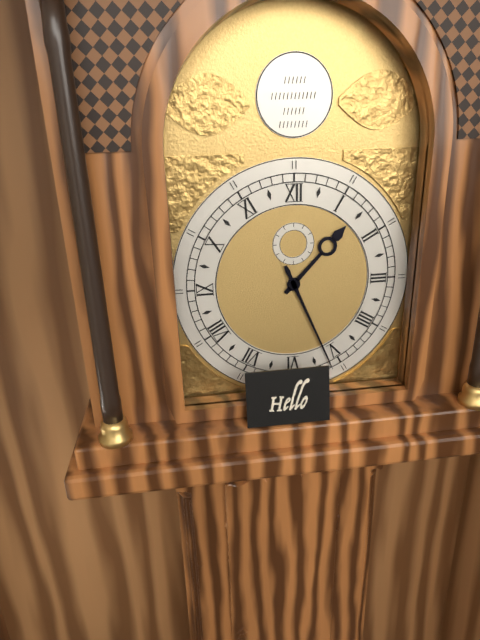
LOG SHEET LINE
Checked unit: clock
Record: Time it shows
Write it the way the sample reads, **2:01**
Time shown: **1:26**
